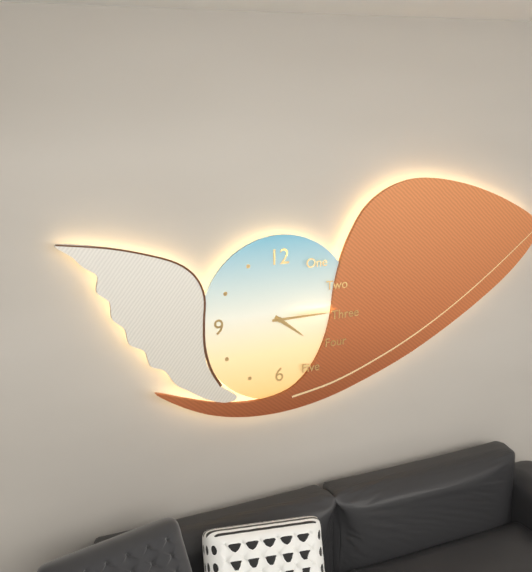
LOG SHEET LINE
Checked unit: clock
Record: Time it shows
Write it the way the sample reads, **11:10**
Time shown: **4:15**
